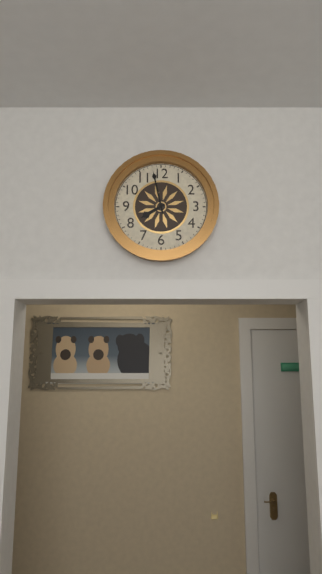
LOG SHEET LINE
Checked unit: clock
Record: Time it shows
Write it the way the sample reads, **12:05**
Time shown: **7:58**
